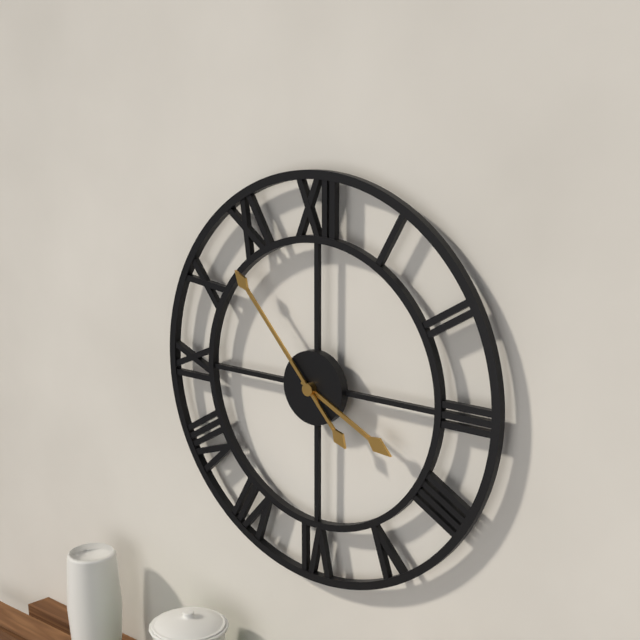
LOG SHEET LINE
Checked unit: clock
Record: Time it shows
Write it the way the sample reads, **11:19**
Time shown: **3:53**
